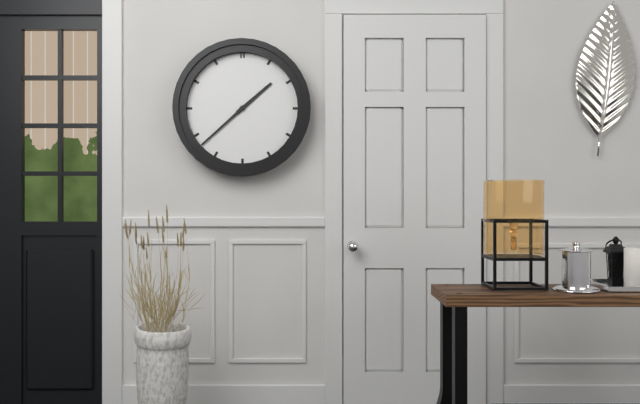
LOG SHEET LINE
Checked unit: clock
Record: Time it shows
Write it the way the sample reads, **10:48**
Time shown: **1:38**
